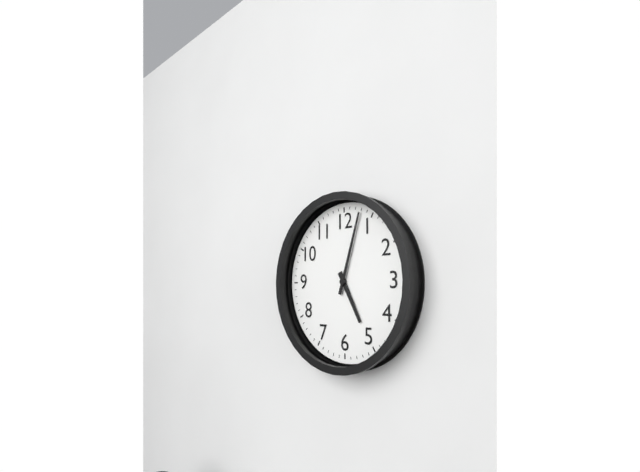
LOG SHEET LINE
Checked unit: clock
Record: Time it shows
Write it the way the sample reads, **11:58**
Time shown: **5:03**
